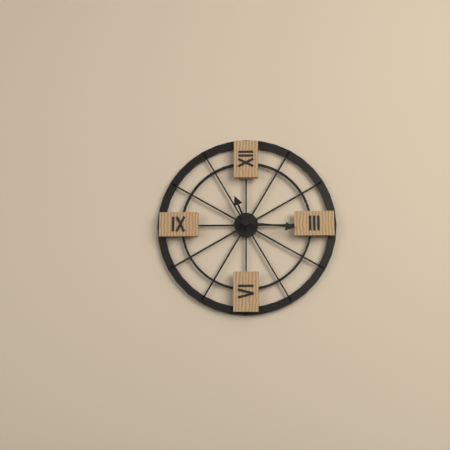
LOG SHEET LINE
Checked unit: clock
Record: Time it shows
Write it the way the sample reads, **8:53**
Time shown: **11:16**
